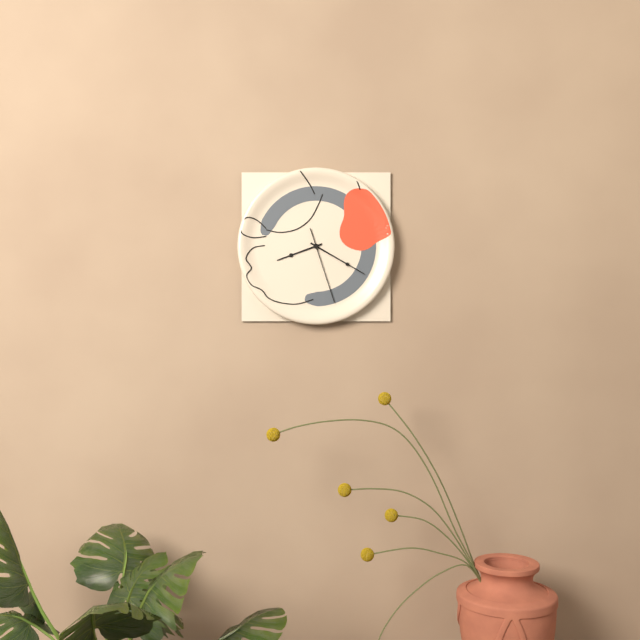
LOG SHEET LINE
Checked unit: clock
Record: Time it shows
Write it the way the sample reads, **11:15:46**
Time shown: **8:20:27**
